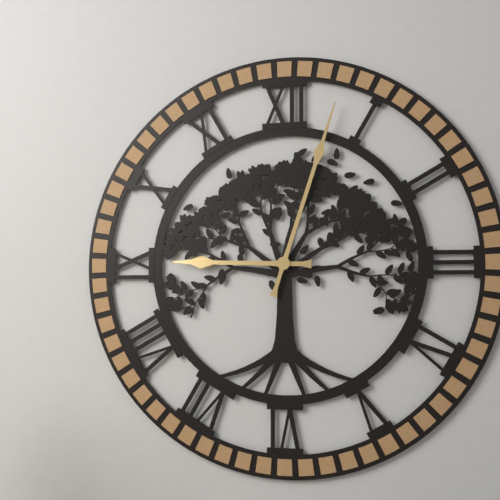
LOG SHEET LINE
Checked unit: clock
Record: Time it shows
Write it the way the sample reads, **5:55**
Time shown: **9:03**
